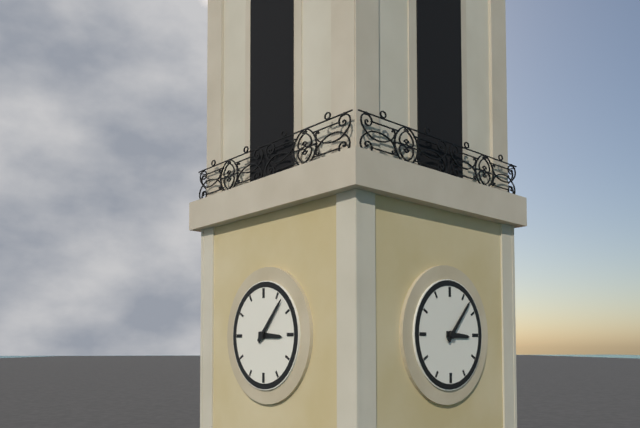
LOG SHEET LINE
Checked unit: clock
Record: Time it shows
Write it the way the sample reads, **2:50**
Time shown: **3:07**
